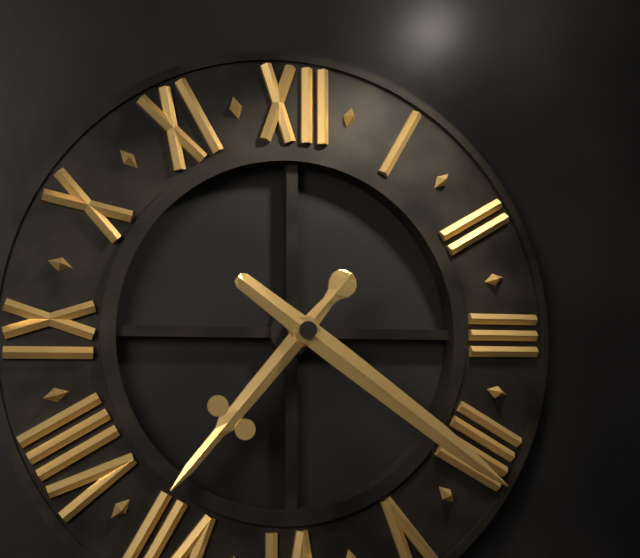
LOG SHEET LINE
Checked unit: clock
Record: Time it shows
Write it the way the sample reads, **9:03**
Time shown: **7:21**
